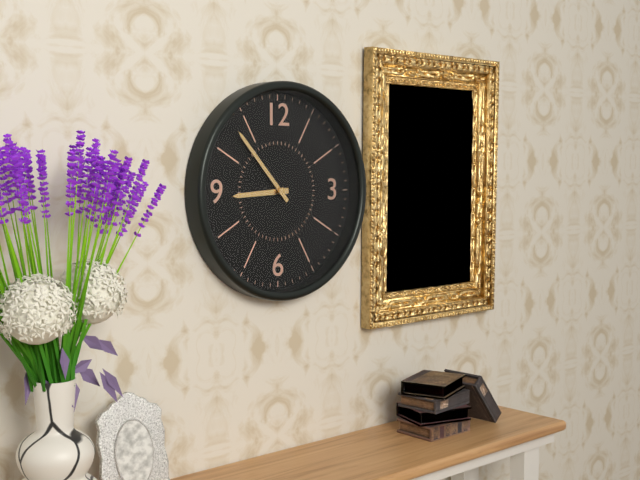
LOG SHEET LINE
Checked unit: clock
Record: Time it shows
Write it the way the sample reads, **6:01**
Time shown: **8:53**
